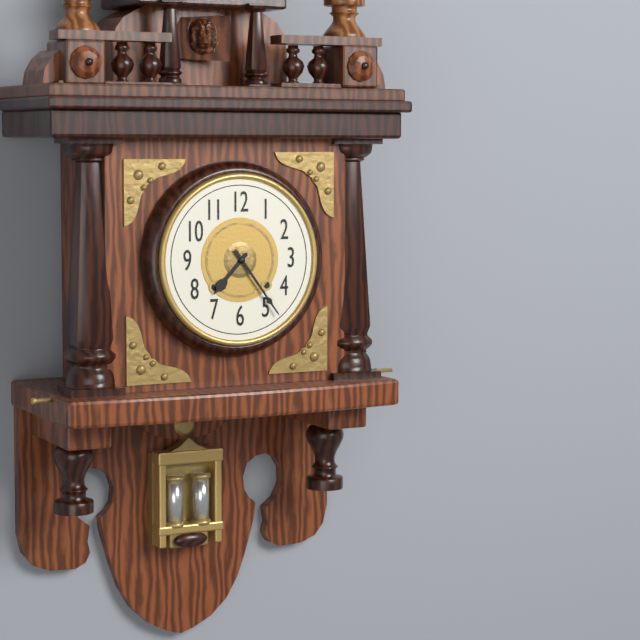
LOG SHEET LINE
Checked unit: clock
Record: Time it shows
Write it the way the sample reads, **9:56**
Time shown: **7:24**
